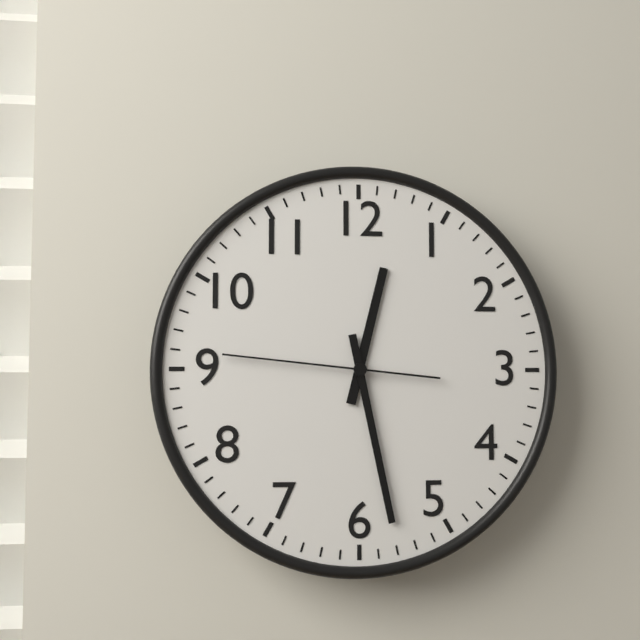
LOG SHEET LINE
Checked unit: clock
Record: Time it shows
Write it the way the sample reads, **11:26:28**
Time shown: **12:28:46**
